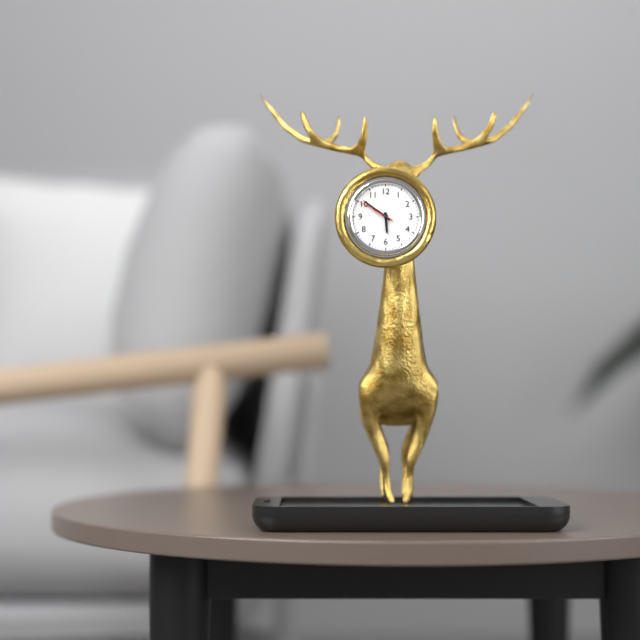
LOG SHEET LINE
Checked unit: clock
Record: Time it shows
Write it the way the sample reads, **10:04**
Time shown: **5:51**
